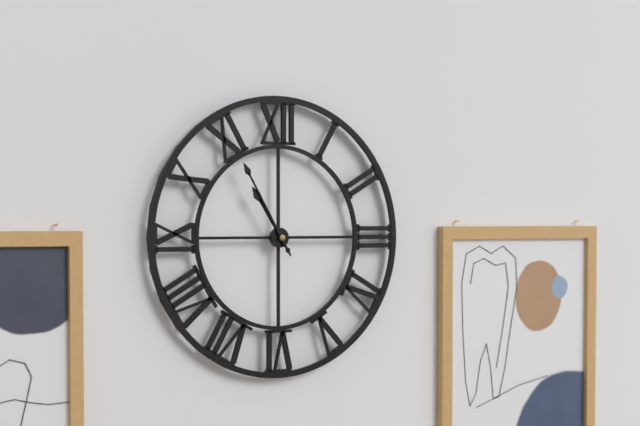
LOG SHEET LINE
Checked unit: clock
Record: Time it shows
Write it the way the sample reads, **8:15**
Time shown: **10:55**
